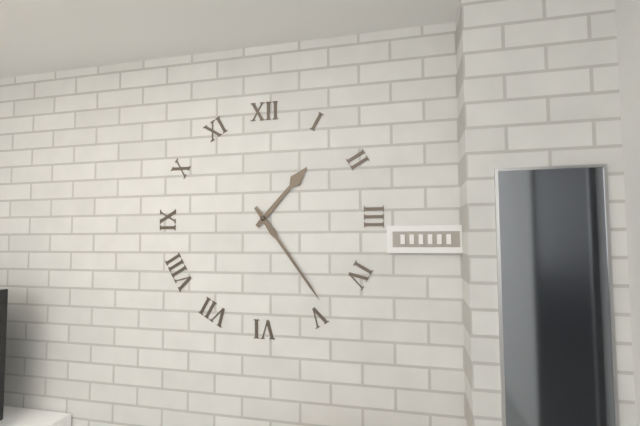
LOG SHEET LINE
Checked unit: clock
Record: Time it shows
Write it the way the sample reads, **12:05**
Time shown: **1:24**
